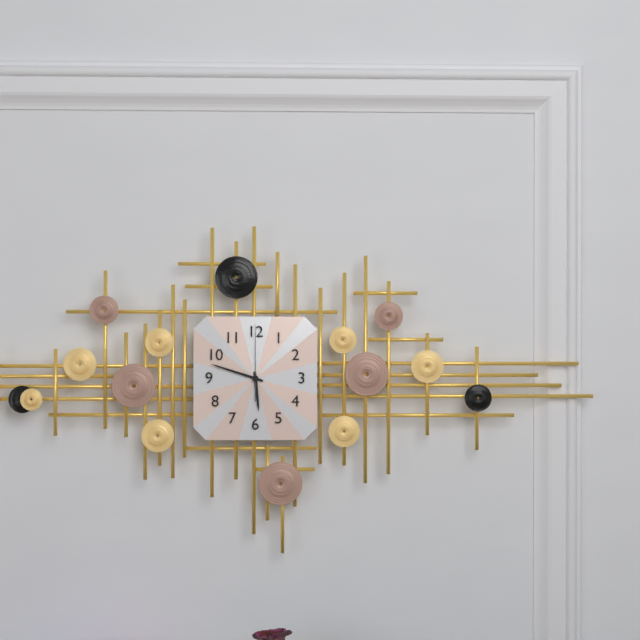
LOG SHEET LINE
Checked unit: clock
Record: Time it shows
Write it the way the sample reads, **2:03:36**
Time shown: **5:48:00**
